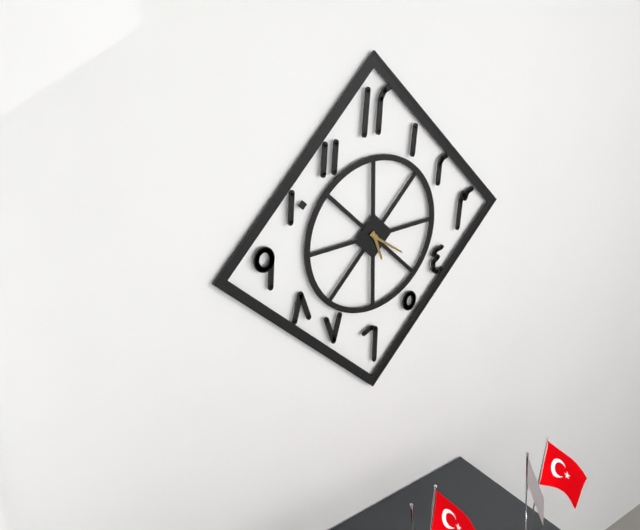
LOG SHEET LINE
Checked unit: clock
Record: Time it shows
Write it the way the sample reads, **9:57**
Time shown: **5:21**
